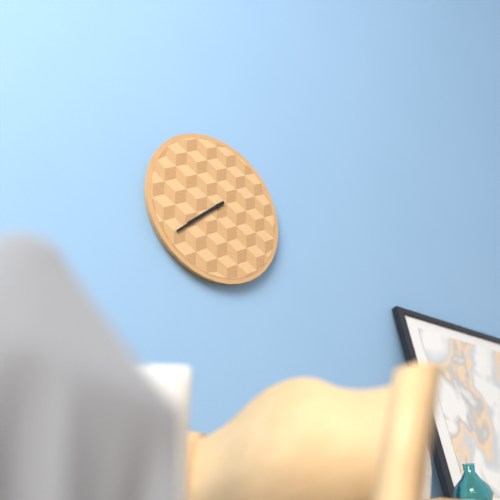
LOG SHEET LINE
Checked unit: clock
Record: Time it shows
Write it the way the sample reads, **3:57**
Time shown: **7:38**
